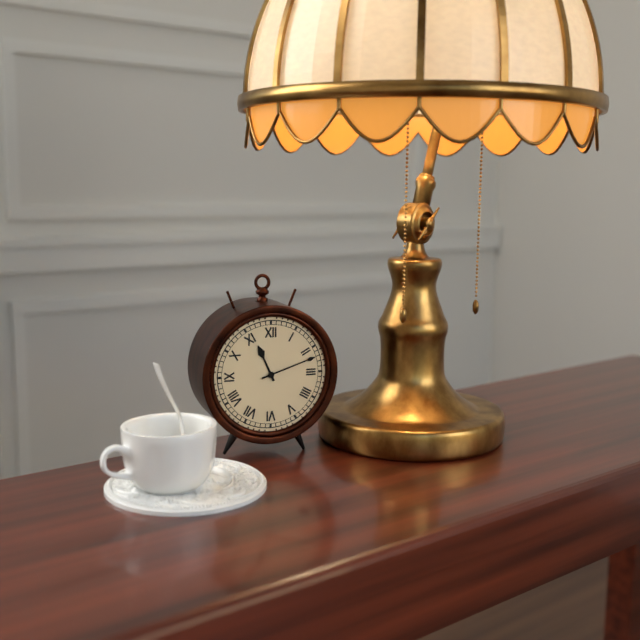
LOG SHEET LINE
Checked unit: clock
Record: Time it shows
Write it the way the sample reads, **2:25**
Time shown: **11:12**
